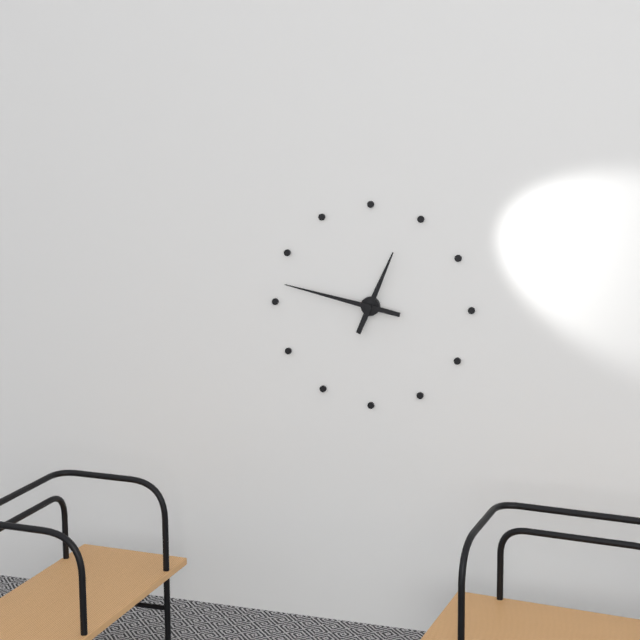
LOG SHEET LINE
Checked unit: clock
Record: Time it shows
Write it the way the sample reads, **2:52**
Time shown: **12:47**
